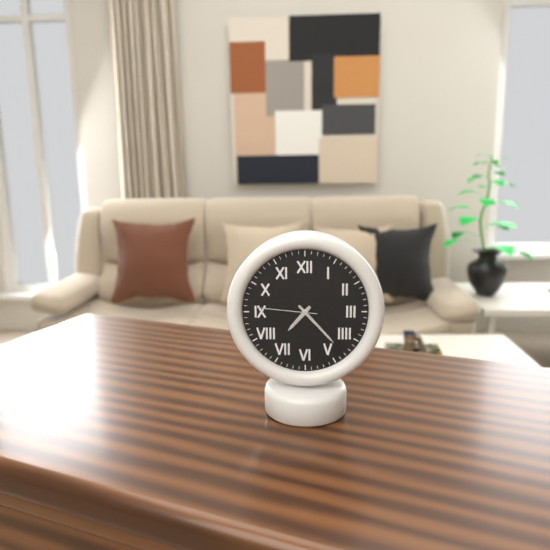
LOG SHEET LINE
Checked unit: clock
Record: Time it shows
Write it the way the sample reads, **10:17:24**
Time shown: **7:23:46**
